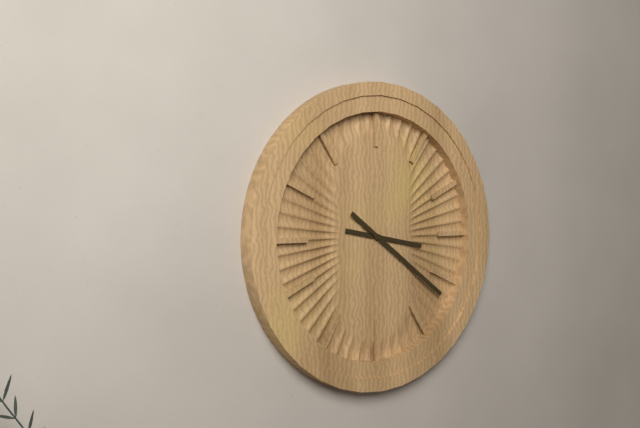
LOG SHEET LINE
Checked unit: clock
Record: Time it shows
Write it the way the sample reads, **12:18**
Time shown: **3:21**
